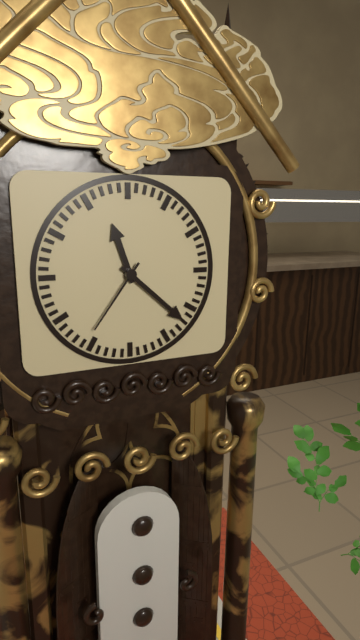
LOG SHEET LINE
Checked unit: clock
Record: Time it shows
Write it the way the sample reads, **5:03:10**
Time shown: **11:22:36**
